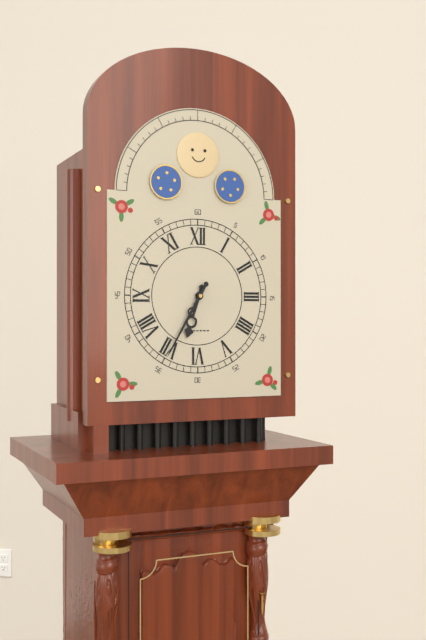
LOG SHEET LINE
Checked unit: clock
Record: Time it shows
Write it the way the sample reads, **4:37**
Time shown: **6:35**
